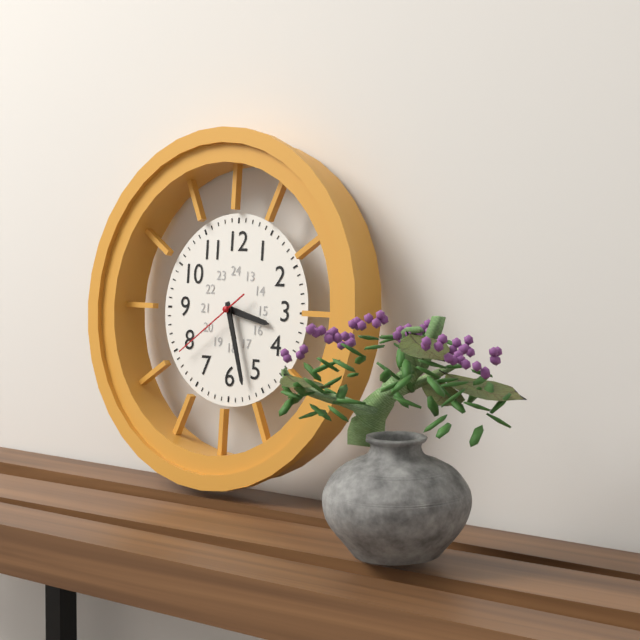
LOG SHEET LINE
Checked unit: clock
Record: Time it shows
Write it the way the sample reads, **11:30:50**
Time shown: **3:27:39**
